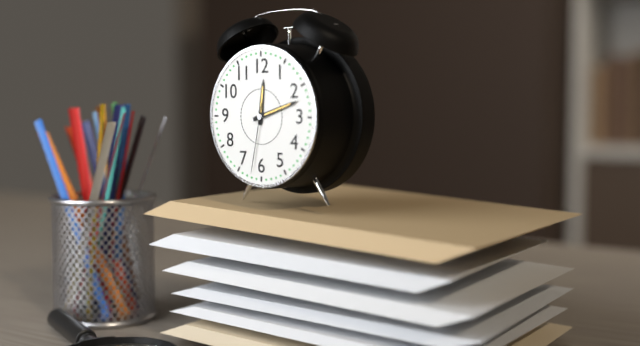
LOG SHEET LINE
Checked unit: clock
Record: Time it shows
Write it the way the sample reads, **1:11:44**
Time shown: **12:12:32**
